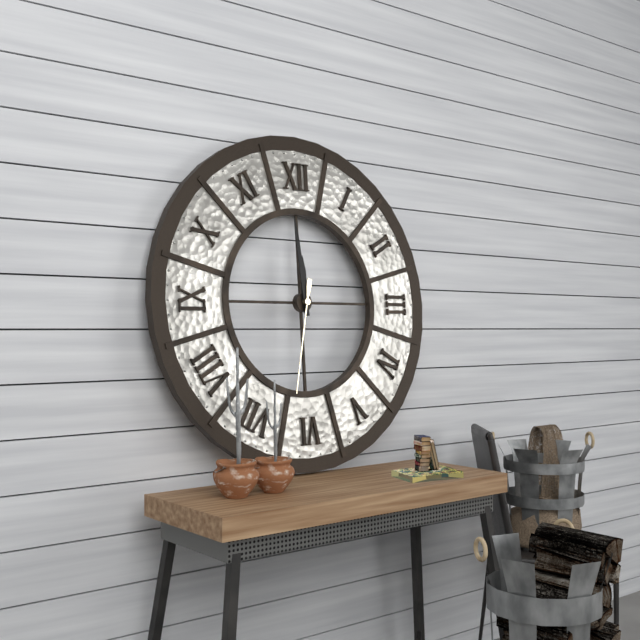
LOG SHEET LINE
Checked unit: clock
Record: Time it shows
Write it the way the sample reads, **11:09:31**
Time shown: **11:59:32**
